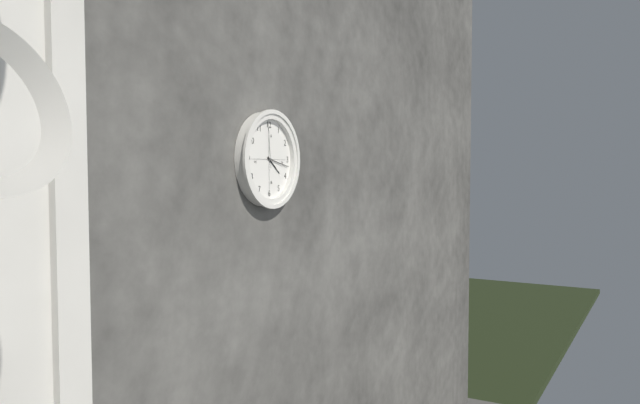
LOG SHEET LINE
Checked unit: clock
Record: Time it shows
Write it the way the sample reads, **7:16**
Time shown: **4:17**
